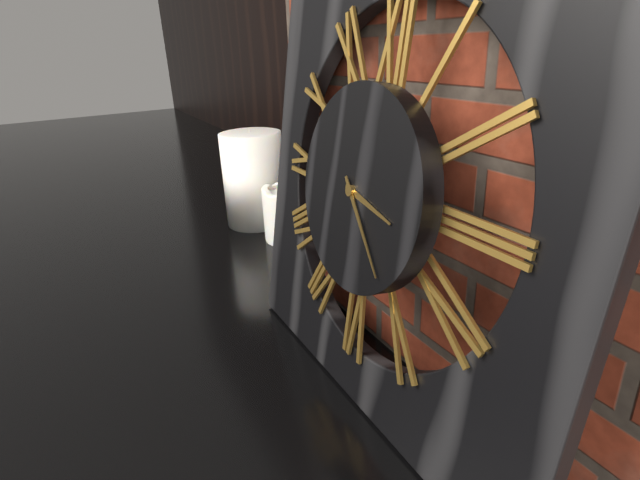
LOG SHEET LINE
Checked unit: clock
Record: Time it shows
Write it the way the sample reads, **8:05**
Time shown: **3:23**
